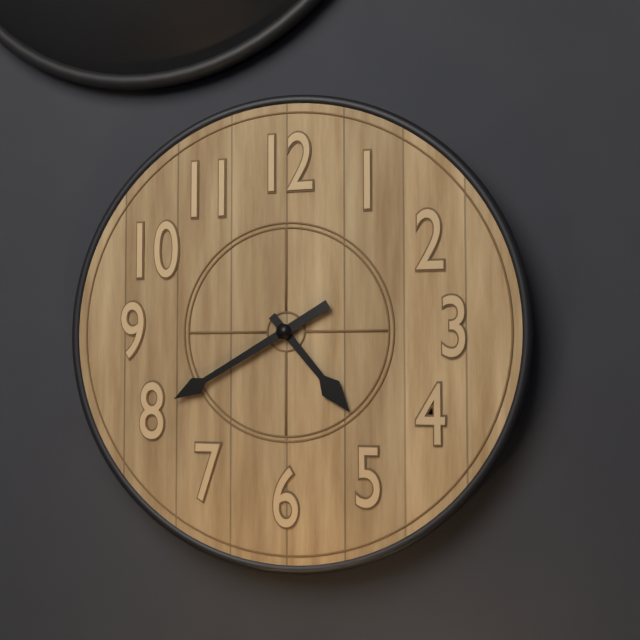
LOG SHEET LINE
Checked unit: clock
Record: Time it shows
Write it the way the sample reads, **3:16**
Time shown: **4:40**
